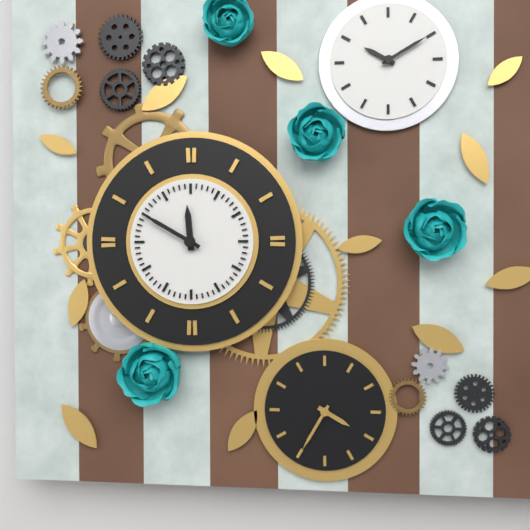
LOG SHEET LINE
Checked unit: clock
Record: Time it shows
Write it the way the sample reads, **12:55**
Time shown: **11:50**
